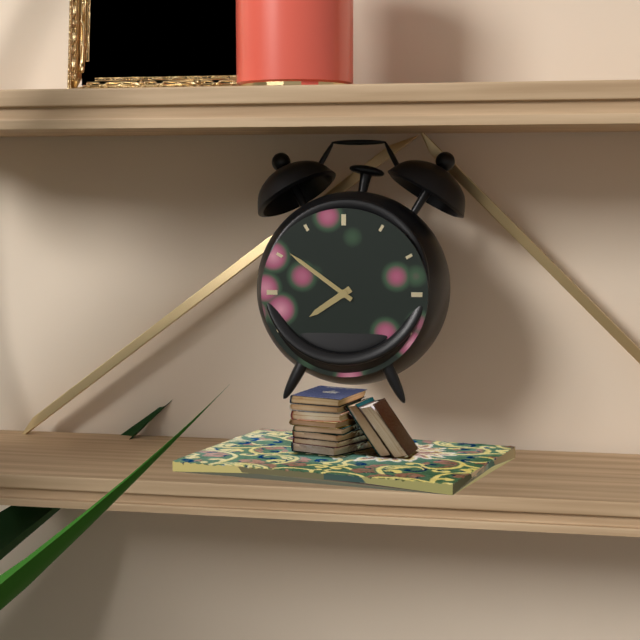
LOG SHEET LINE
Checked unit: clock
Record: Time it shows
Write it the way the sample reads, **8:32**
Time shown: **7:51**
